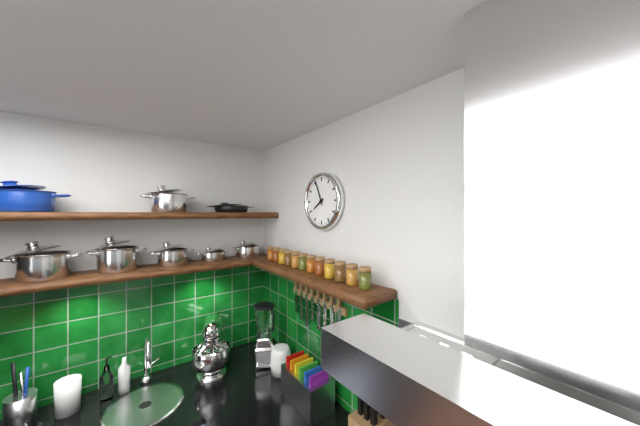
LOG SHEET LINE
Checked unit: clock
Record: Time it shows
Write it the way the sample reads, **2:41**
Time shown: **7:56**
